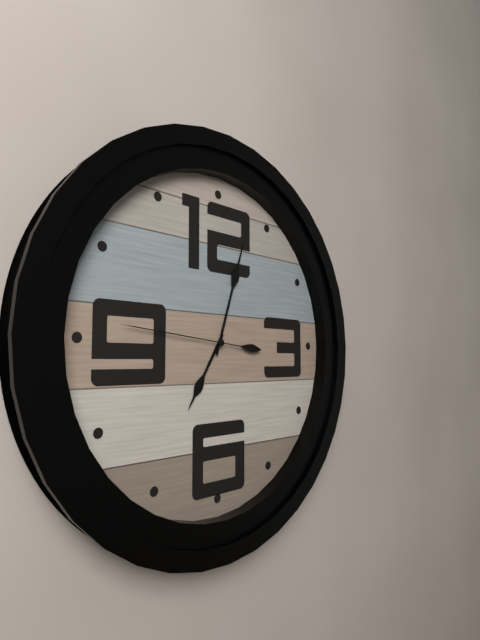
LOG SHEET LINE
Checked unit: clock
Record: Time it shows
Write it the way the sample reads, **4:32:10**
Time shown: **7:03:46**
